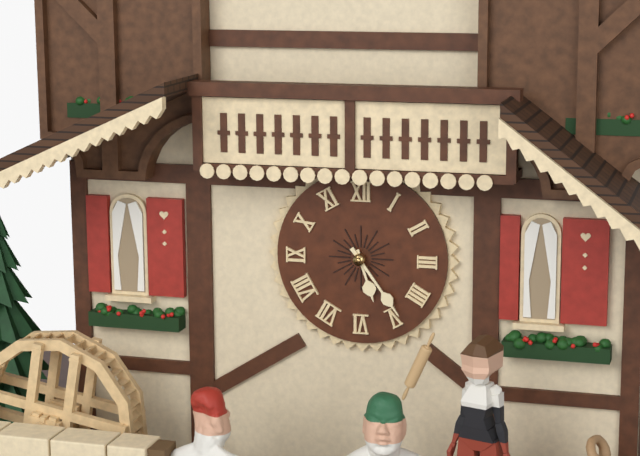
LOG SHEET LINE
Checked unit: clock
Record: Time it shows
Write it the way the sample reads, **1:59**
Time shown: **5:24**
